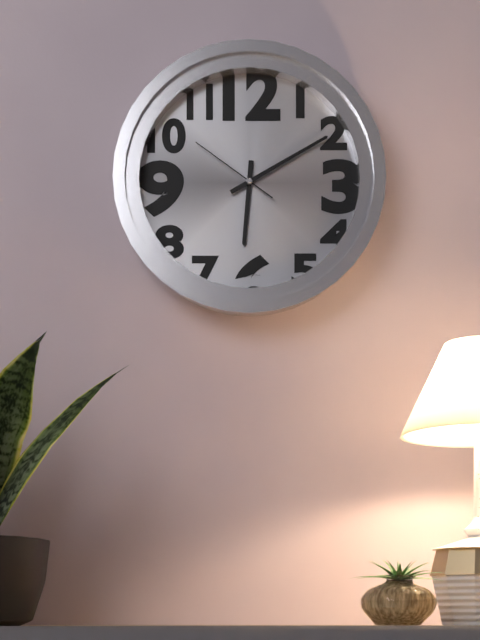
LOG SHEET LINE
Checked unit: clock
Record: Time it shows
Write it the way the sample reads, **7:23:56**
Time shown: **6:10:51**
